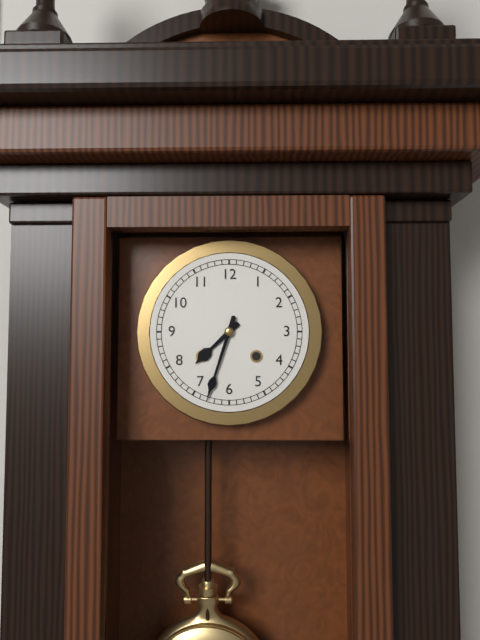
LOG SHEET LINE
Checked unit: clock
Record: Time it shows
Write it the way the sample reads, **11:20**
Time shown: **7:33**
